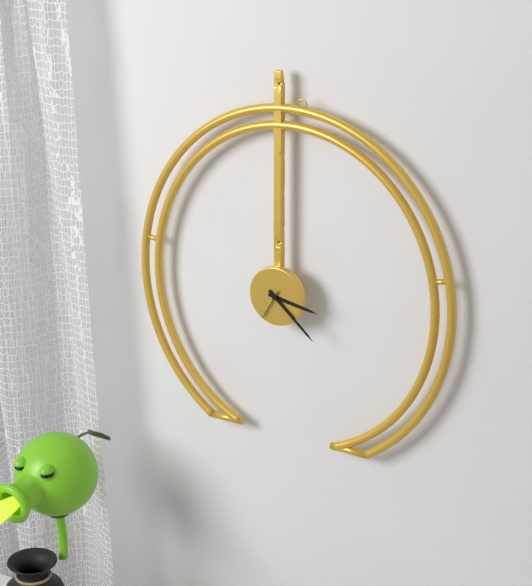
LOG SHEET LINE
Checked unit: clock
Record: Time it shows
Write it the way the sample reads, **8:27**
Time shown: **3:22**
